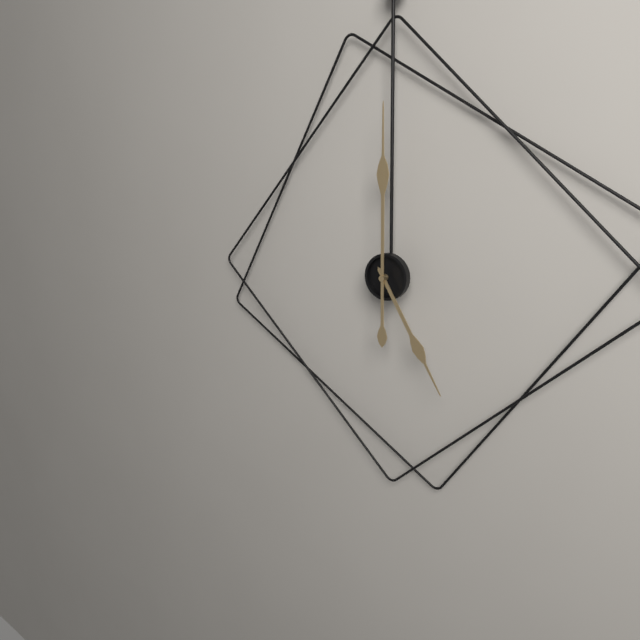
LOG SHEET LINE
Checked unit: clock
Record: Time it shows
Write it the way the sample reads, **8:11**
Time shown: **5:00**
